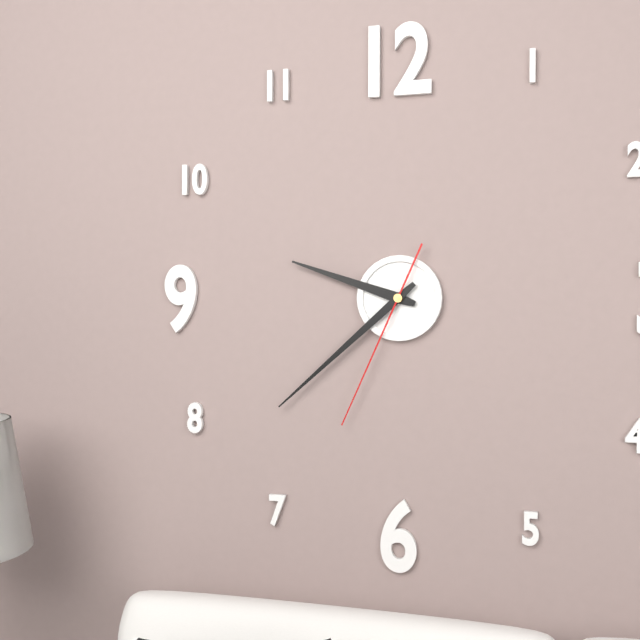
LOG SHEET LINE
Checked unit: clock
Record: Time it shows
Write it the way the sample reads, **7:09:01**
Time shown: **9:38:34**
